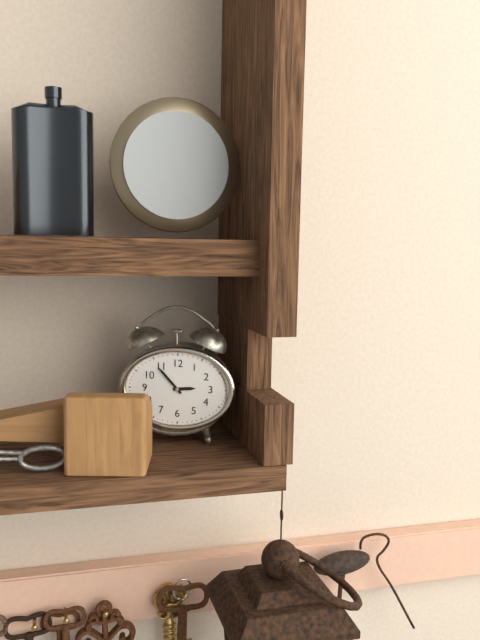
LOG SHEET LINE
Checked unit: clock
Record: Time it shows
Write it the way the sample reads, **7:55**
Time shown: **2:53**
